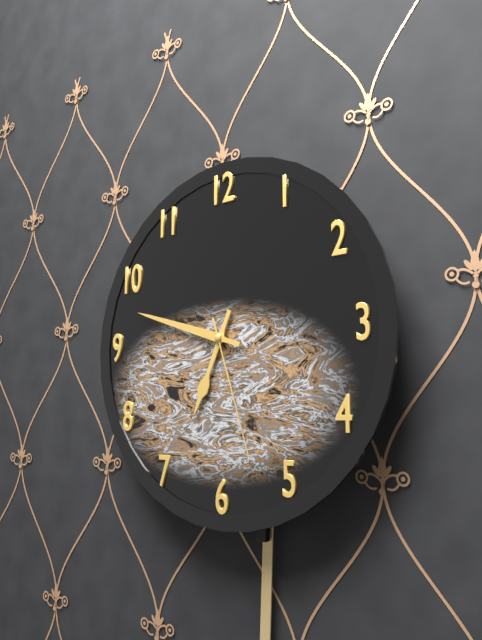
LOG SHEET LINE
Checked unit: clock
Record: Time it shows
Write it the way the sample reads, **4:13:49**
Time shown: **6:48:27**
